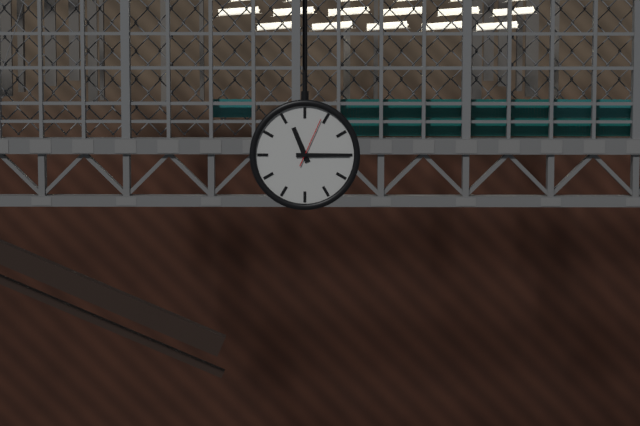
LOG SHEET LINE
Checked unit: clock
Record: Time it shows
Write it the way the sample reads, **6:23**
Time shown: **11:15**
